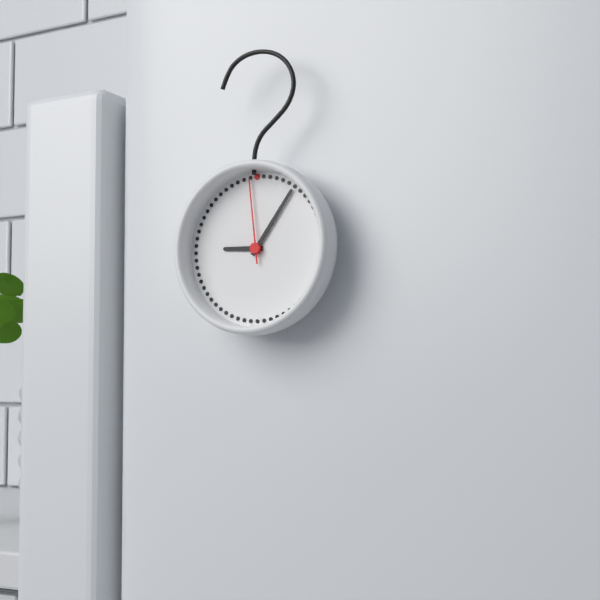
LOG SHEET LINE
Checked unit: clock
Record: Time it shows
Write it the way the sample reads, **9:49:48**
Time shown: **9:06:59**
